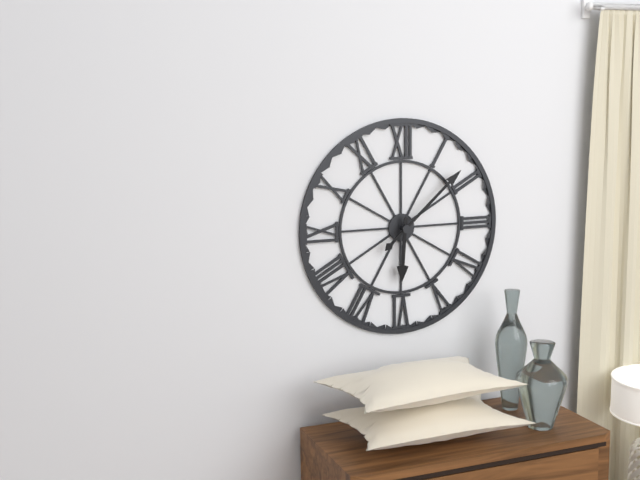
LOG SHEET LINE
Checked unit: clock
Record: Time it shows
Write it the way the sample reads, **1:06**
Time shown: **6:08**
